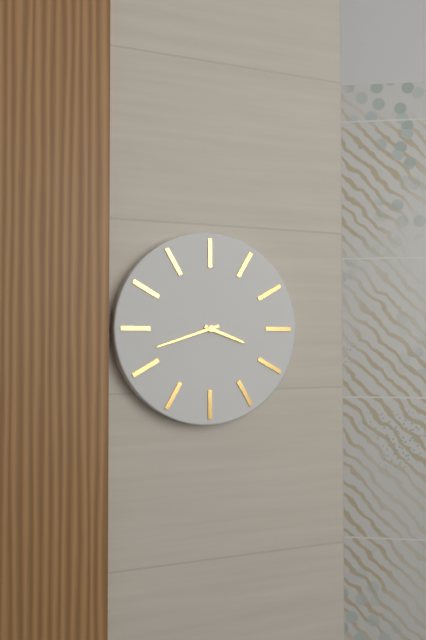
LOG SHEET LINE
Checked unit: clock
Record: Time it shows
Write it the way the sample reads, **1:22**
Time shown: **3:42**
